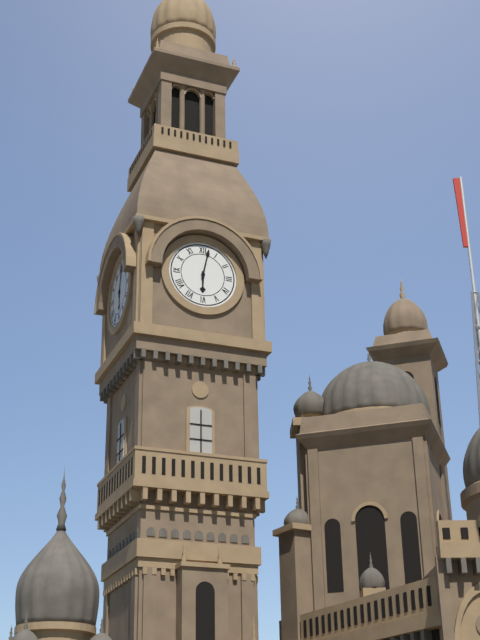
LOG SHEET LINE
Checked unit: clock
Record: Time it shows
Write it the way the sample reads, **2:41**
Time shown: **6:02**
